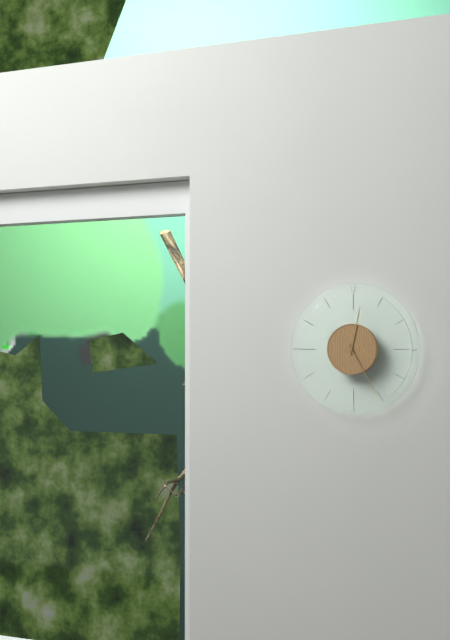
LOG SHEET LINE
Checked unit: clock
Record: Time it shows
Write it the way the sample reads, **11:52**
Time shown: **12:25**
